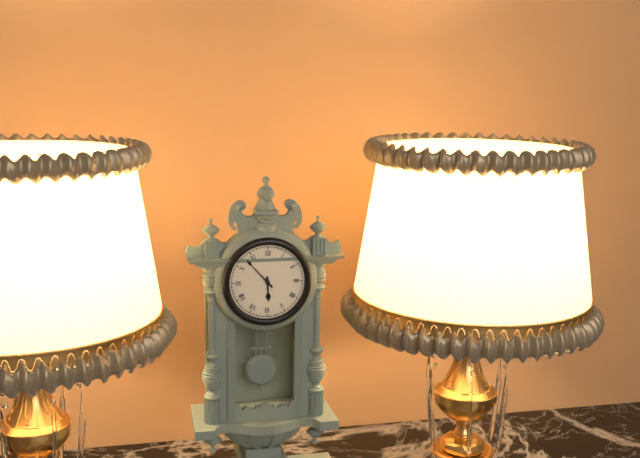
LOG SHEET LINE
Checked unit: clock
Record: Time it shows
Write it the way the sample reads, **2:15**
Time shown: **5:53**
